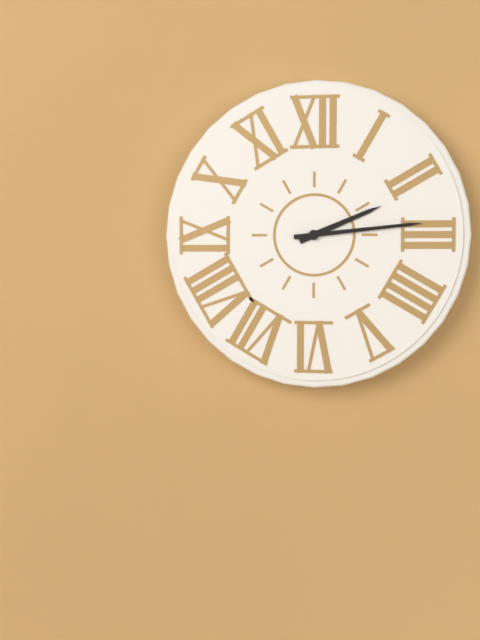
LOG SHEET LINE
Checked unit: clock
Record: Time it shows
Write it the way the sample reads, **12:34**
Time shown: **2:14**
